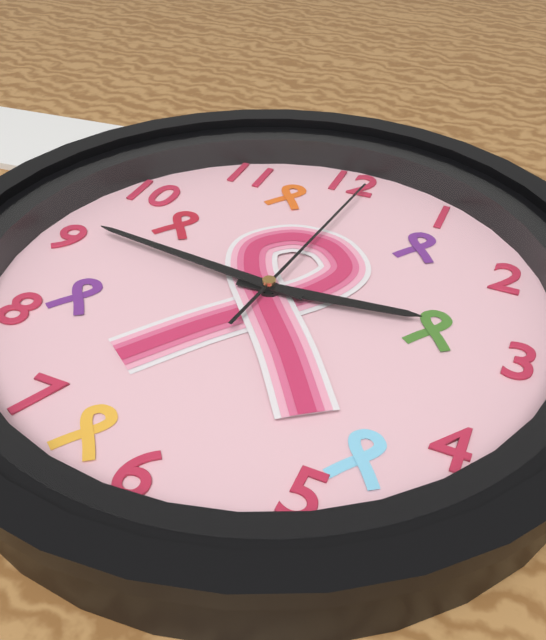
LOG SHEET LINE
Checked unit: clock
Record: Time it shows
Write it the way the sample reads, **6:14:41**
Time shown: **2:46:01**
